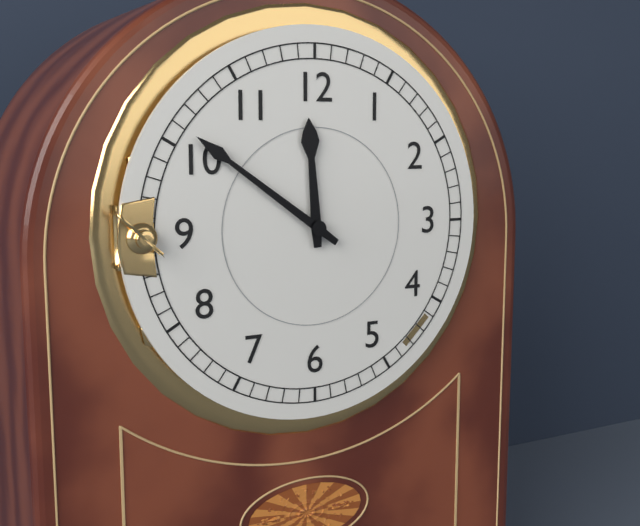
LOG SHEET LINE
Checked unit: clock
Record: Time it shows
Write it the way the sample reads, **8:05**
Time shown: **11:51**
